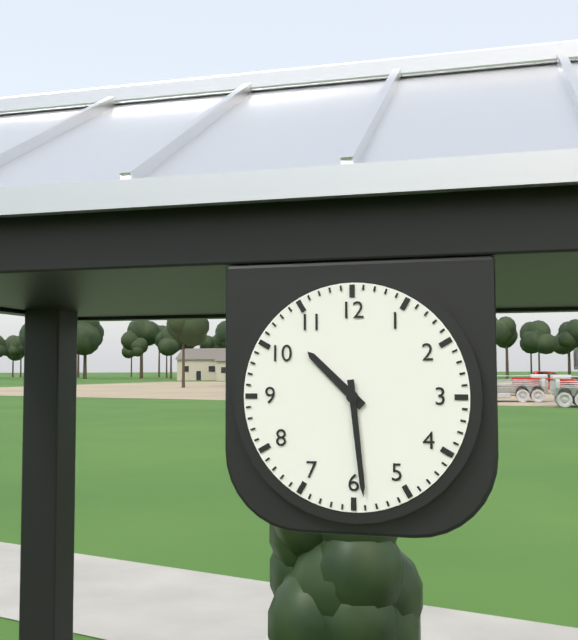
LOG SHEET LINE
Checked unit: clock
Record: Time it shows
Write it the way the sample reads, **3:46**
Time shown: **10:29**
